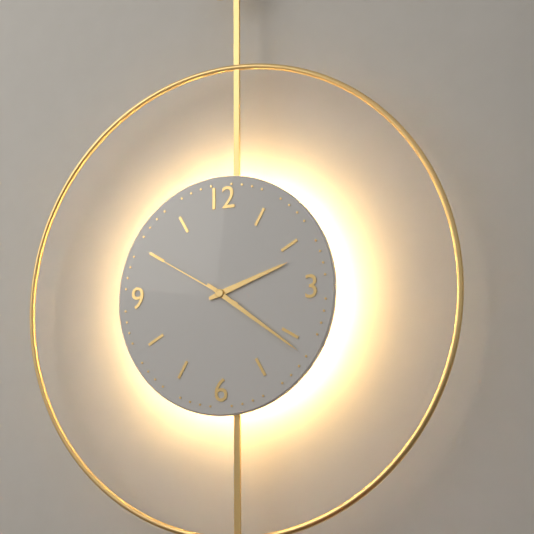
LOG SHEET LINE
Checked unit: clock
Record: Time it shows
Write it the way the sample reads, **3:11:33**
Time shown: **2:21:50**
